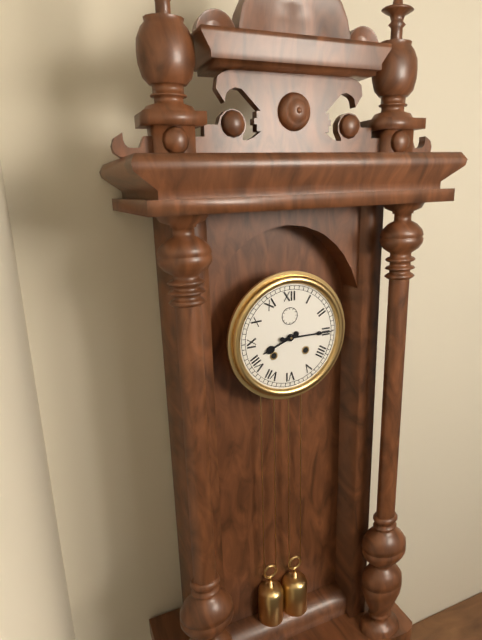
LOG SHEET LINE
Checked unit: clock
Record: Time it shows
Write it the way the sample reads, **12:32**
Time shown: **8:15**
